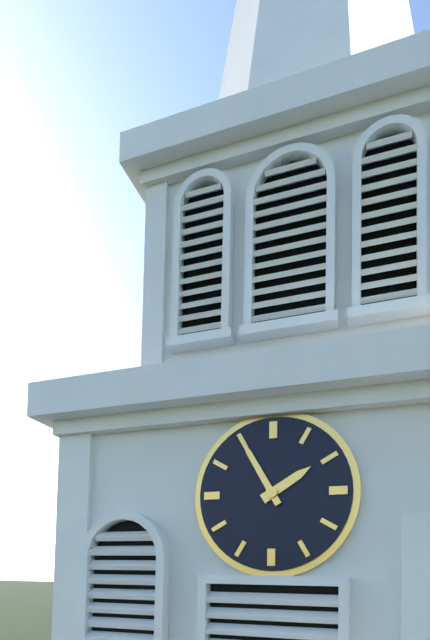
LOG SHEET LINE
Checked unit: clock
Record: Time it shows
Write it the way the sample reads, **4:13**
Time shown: **1:55**
